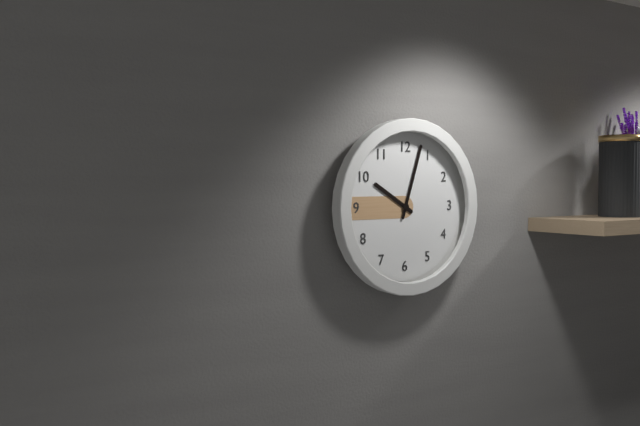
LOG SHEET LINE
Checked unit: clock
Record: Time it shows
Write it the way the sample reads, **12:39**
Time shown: **10:03**
